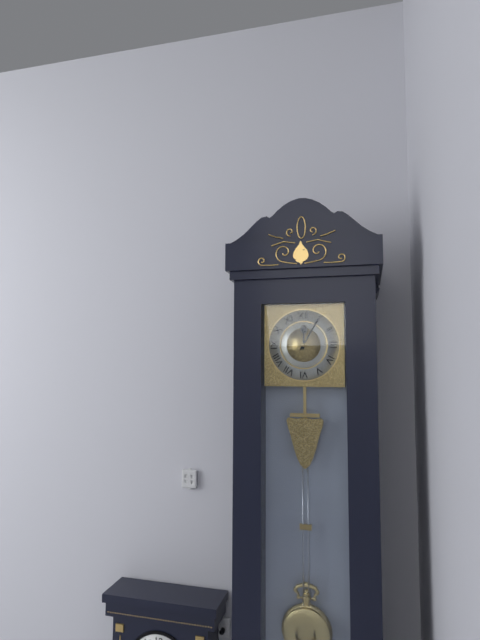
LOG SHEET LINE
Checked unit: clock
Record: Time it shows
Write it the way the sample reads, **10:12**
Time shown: **12:05**
